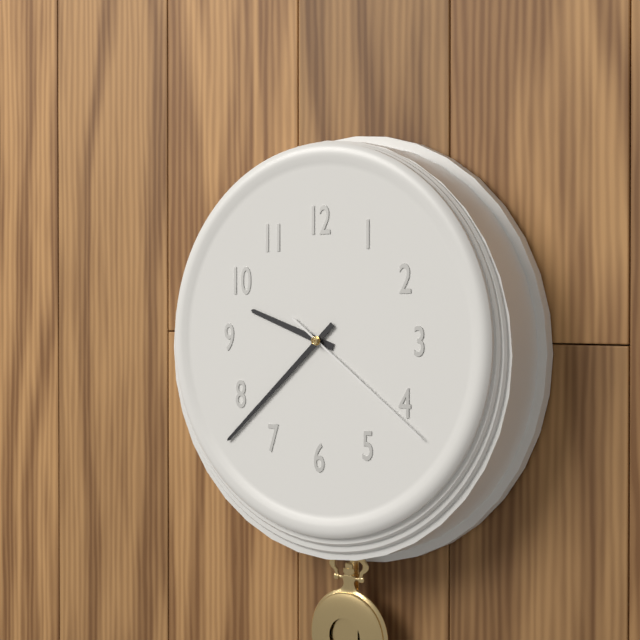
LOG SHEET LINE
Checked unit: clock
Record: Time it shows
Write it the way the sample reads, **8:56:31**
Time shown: **9:38:21**
